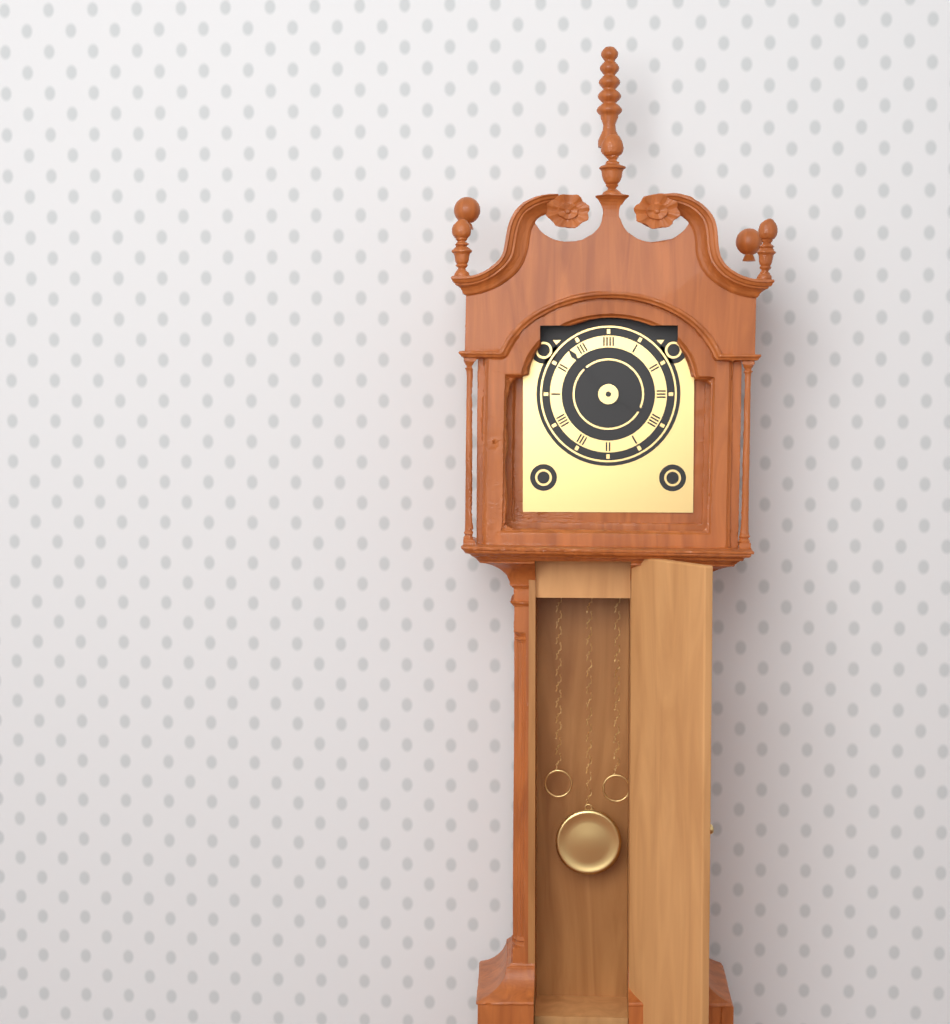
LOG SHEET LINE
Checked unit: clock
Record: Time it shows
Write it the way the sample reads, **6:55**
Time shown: **3:53**
